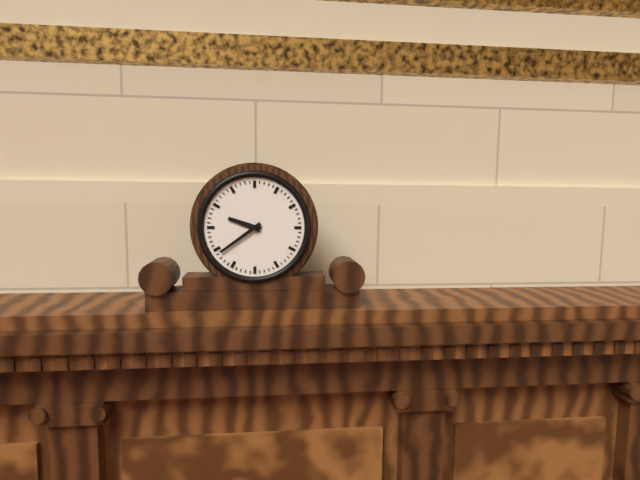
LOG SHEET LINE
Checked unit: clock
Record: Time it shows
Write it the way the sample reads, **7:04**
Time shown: **9:39**
